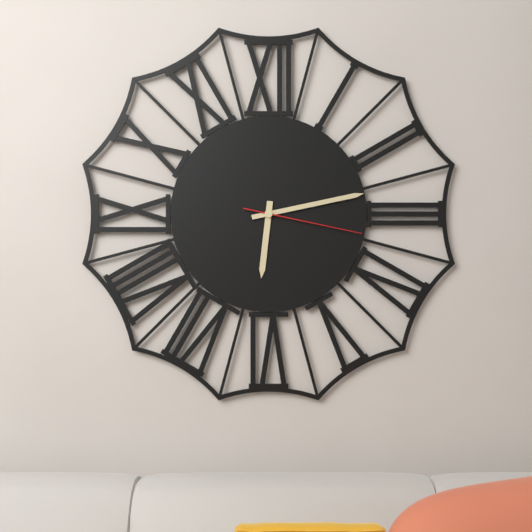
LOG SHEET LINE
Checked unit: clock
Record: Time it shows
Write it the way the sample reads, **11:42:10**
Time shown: **6:13:17**
